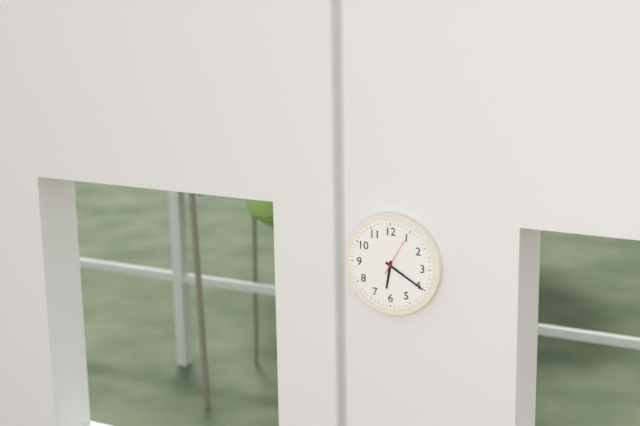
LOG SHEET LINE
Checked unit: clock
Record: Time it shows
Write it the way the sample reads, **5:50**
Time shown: **6:20**
